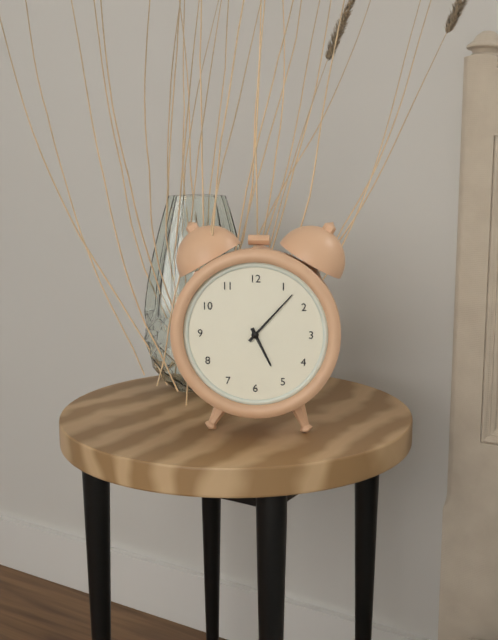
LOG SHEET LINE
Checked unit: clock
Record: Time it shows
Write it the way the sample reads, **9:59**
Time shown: **5:07**
